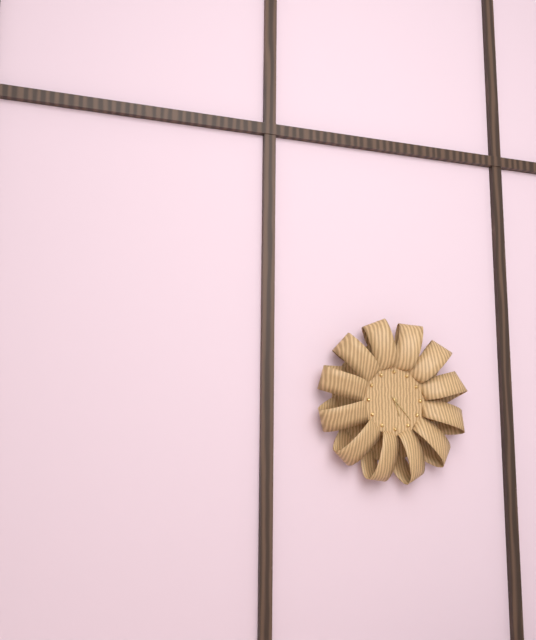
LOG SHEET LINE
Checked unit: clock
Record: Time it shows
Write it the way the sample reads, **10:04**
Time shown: **5:23**
